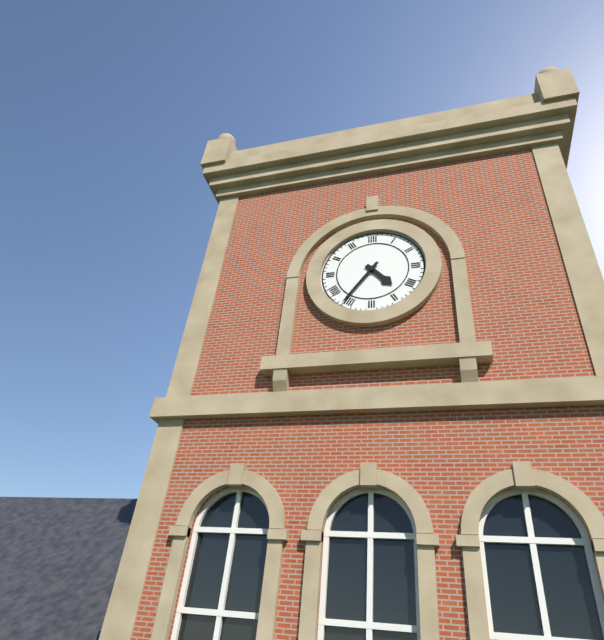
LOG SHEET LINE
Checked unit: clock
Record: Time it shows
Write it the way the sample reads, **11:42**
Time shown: **4:36**
